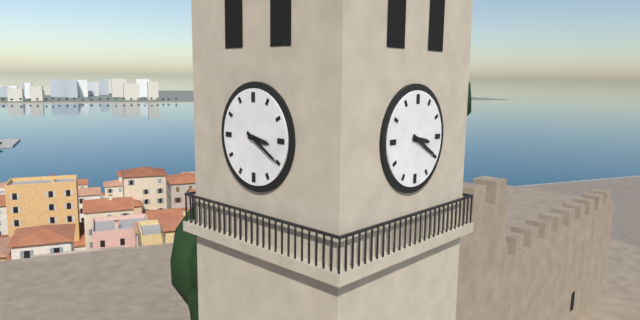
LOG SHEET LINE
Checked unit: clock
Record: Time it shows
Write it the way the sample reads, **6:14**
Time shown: **3:20**
